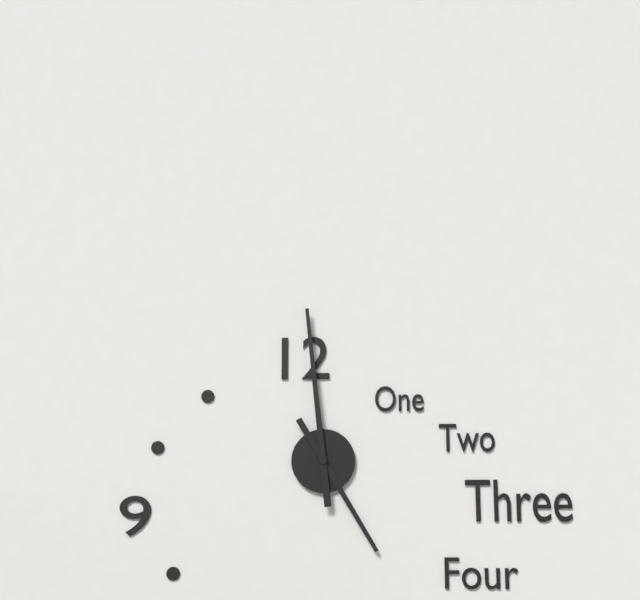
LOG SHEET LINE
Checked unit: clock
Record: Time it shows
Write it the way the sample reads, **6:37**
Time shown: **4:59**
